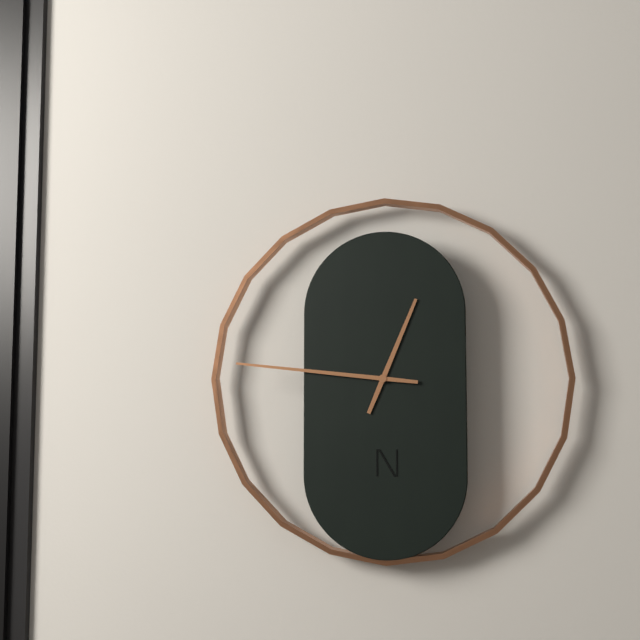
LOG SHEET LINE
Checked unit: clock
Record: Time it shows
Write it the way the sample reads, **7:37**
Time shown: **12:46**
